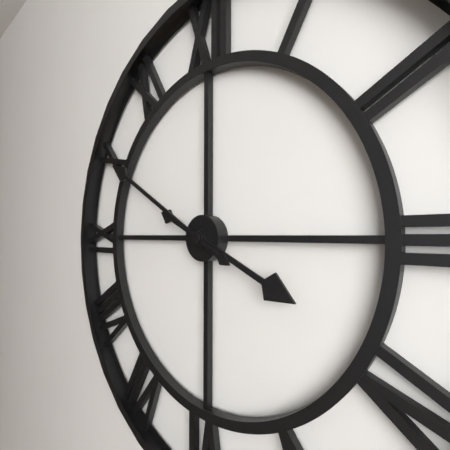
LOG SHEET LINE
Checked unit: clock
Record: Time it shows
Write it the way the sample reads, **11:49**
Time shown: **3:50**
